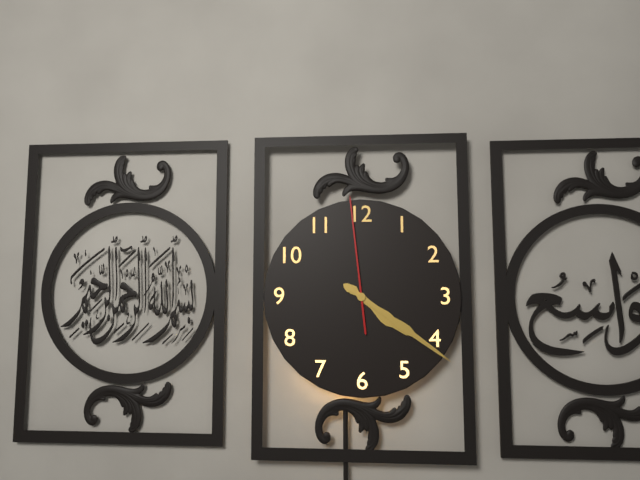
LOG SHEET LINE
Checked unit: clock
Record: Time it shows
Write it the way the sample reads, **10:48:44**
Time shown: **4:21:59**
